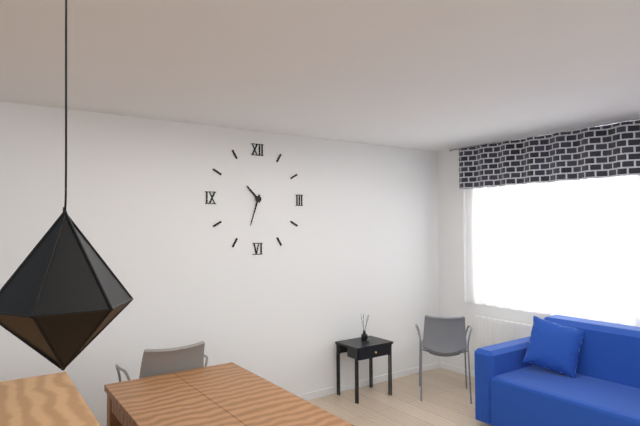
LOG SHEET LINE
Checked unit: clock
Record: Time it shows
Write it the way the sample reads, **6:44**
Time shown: **10:33**
